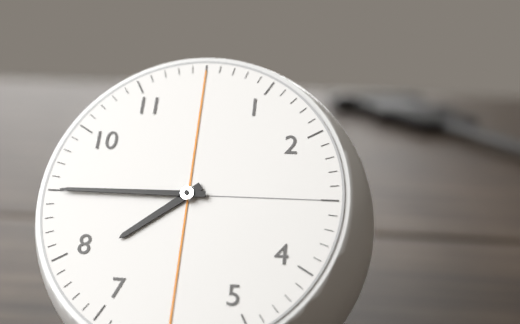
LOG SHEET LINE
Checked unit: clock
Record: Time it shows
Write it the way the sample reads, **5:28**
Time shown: **7:45**
